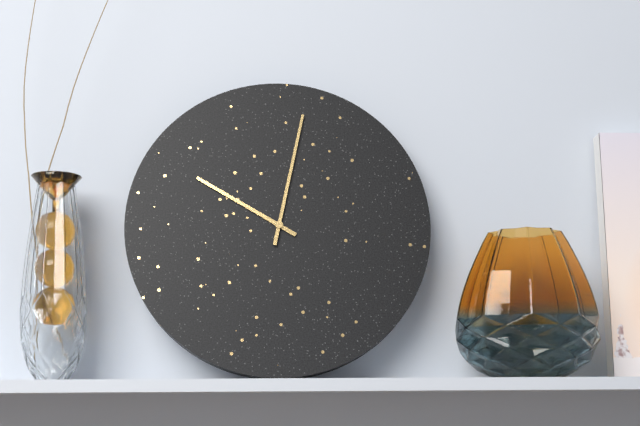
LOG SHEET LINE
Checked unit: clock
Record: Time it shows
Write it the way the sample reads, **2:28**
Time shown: **10:02**
